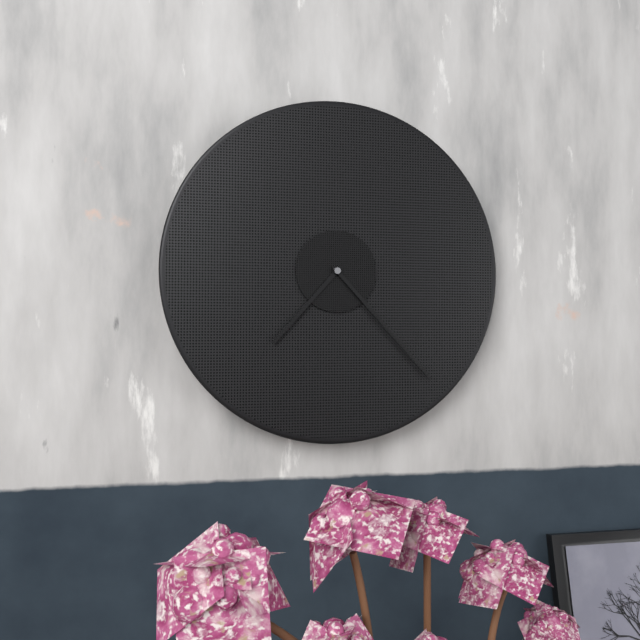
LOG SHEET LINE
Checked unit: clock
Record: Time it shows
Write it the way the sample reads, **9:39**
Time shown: **7:23**
